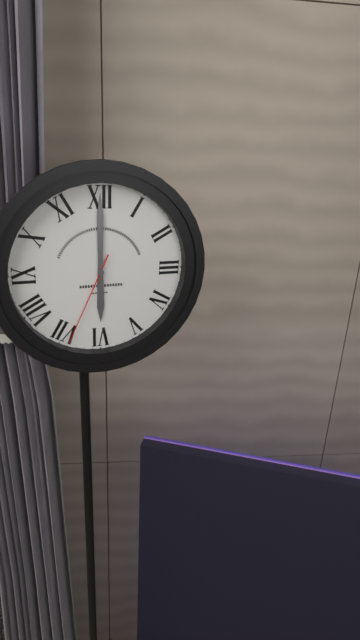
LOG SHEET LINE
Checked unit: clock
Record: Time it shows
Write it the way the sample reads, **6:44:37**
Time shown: **6:00:34**
